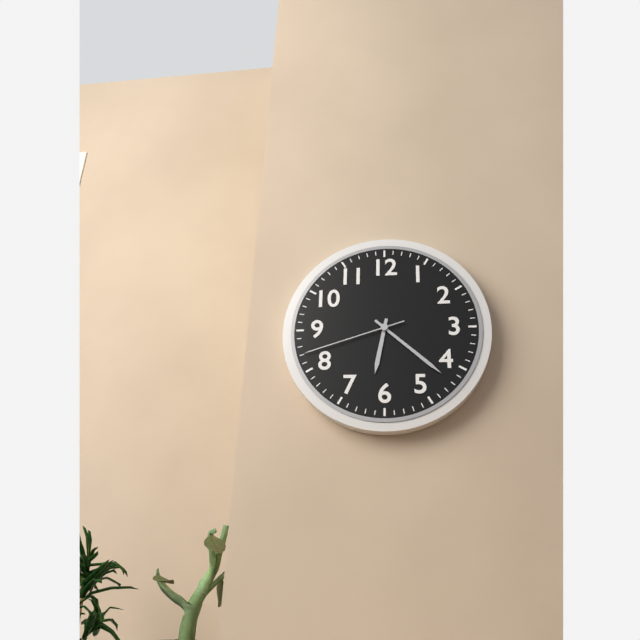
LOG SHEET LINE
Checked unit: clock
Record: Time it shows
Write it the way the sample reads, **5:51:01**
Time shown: **6:22:42**
